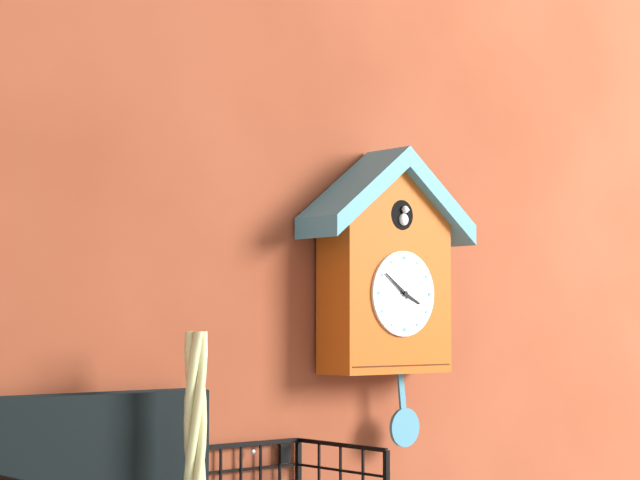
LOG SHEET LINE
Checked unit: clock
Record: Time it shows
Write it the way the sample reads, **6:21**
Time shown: **3:51**
